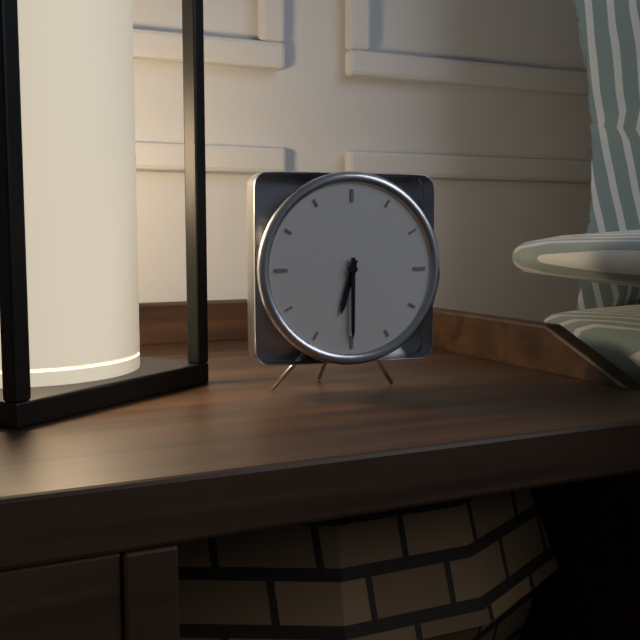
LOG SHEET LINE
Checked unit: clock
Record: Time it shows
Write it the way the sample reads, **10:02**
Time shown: **6:30**
